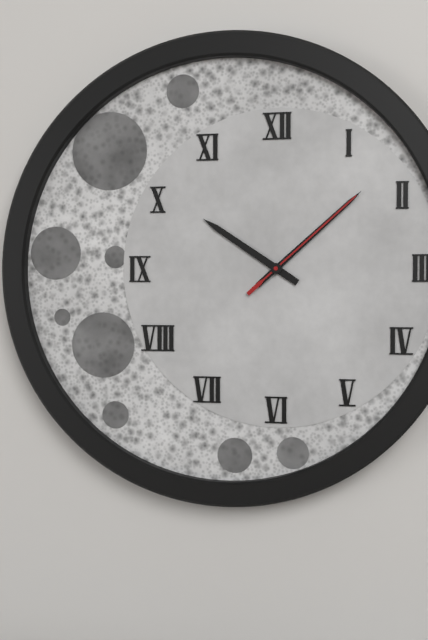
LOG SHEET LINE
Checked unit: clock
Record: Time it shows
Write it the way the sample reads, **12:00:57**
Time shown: **10:08:08**
